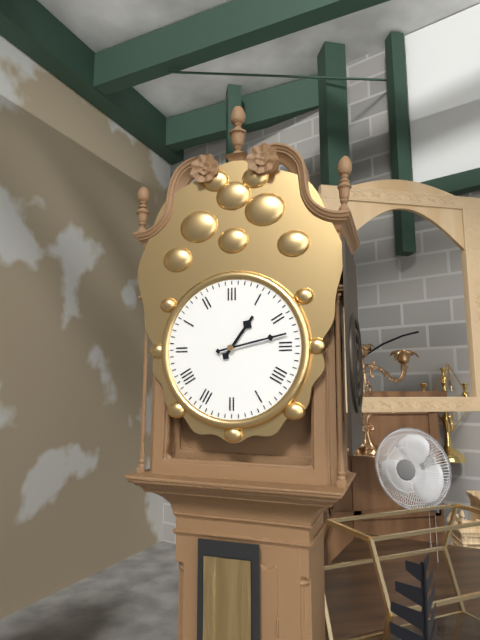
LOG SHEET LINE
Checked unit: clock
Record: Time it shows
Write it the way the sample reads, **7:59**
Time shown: **1:13**
